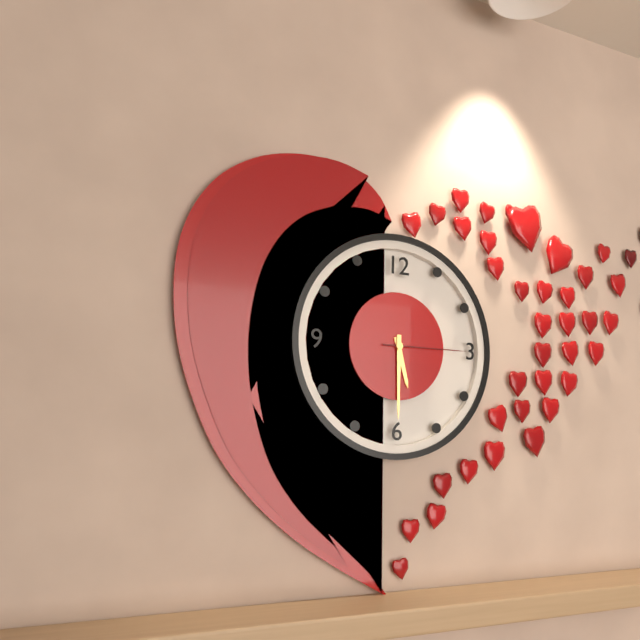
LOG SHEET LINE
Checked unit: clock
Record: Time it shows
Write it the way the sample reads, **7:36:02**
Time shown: **5:30:15**
